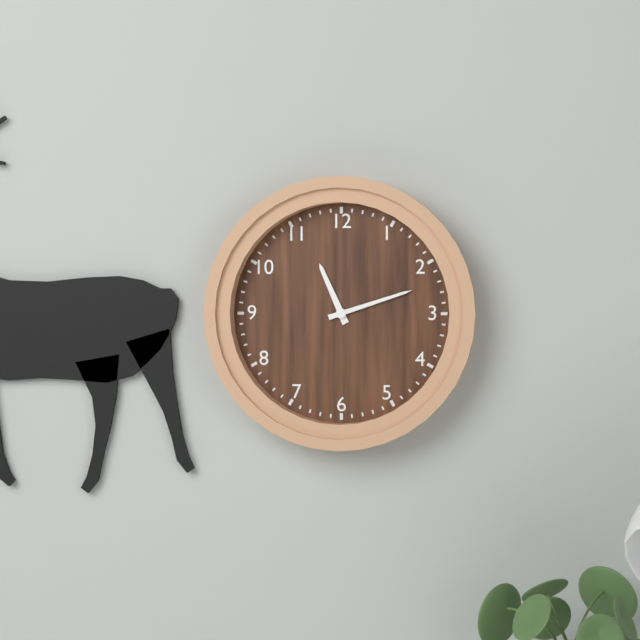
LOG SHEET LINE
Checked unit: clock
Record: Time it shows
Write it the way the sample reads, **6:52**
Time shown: **11:12**
